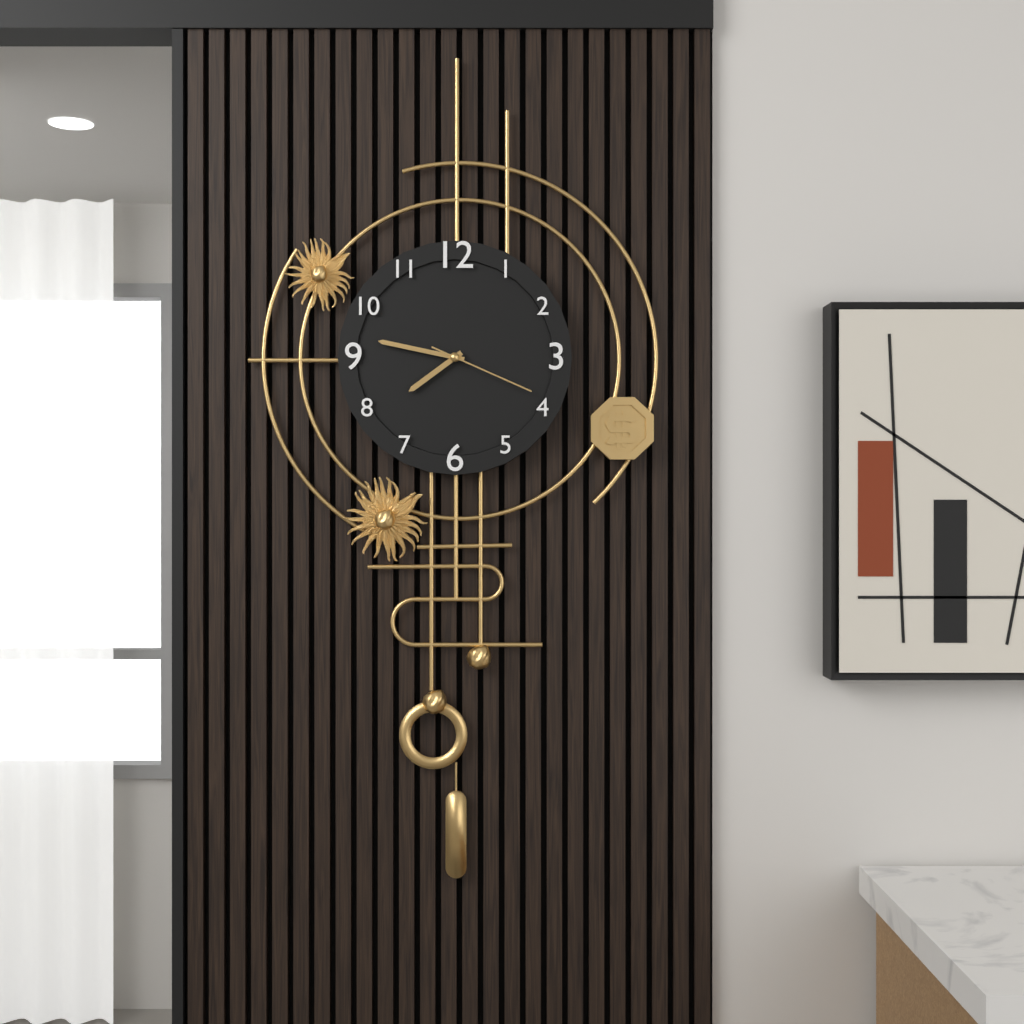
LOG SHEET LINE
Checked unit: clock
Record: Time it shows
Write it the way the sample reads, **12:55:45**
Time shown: **7:47:19**
